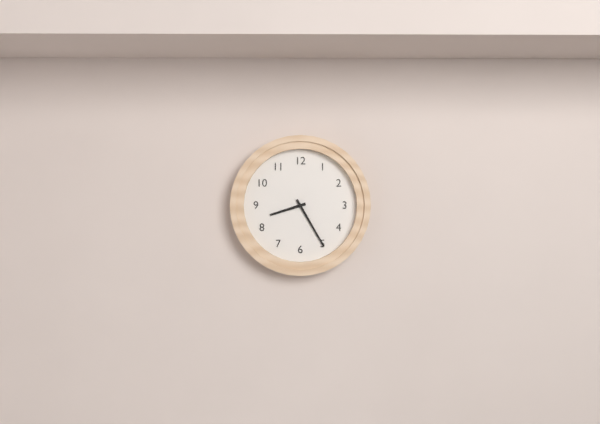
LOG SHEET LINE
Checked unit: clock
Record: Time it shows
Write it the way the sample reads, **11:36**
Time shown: **8:25**
